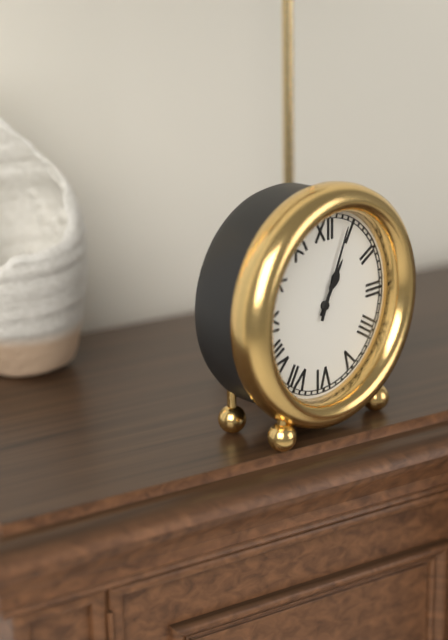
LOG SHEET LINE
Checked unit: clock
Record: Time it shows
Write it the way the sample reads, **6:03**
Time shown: **1:04**
